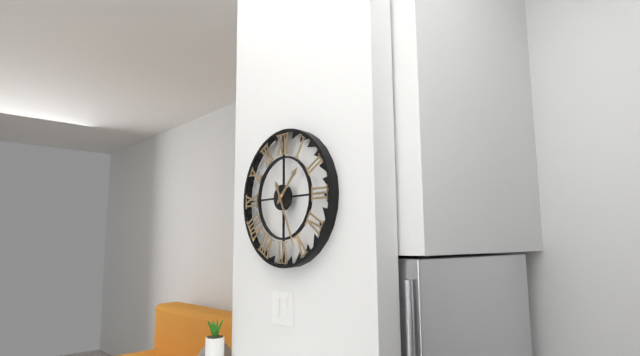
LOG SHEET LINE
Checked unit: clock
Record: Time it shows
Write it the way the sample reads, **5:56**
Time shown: **1:26**
